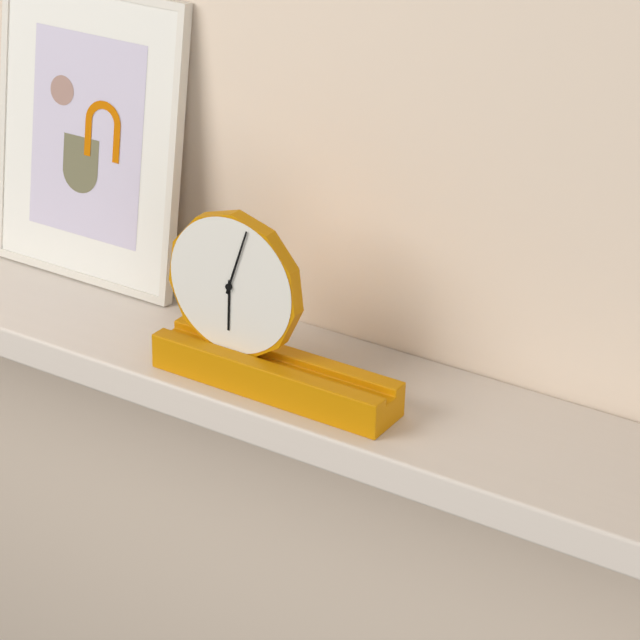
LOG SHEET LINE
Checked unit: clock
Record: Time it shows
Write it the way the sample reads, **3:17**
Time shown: **6:03**
